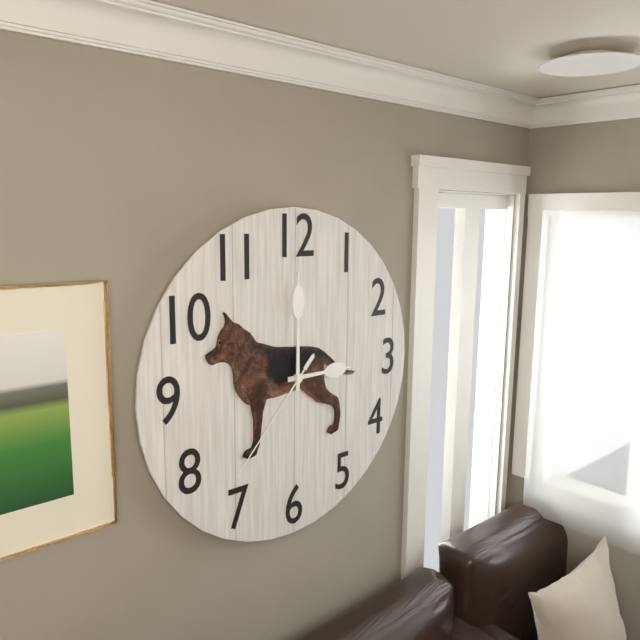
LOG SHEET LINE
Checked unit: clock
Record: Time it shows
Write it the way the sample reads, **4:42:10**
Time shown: **3:00:37**
